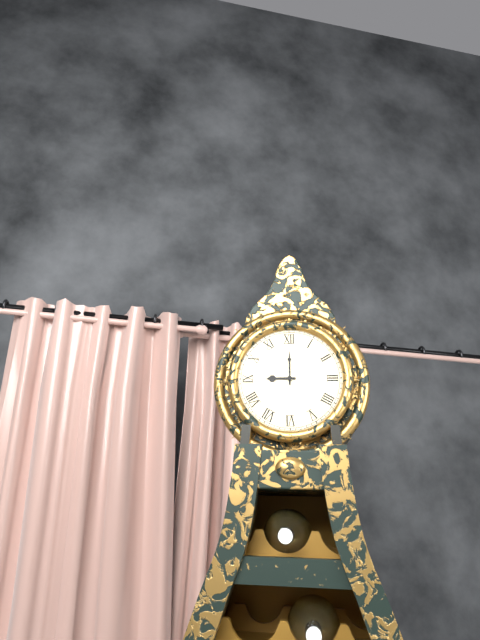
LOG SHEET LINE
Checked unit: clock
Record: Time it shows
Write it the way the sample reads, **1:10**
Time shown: **9:00**
